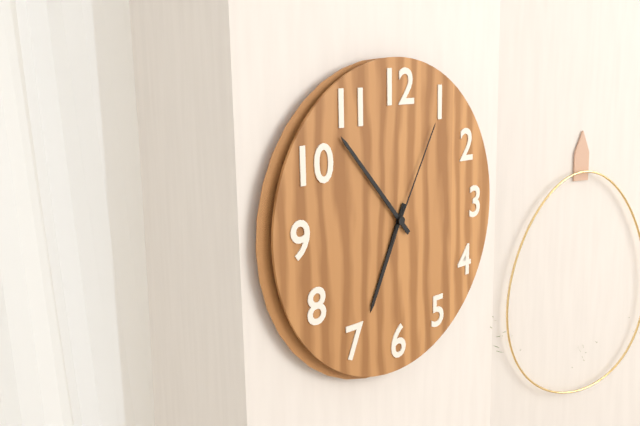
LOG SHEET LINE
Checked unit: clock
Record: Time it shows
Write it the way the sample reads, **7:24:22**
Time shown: **6:53:05**
